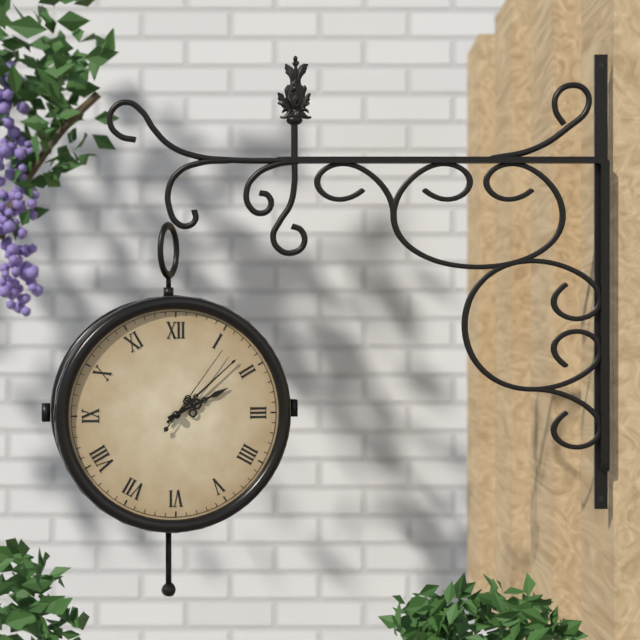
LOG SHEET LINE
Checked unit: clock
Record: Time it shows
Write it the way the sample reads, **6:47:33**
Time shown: **2:08:06**
